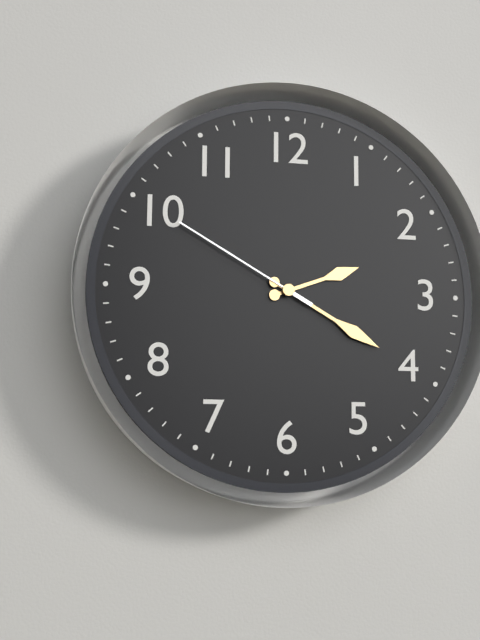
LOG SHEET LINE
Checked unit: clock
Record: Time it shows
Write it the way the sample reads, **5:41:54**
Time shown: **2:20:50**
